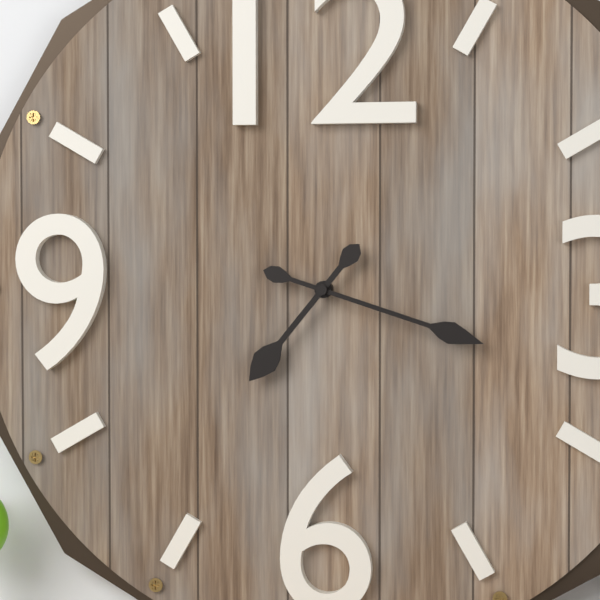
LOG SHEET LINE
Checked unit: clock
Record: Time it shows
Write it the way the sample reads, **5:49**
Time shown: **7:18**
